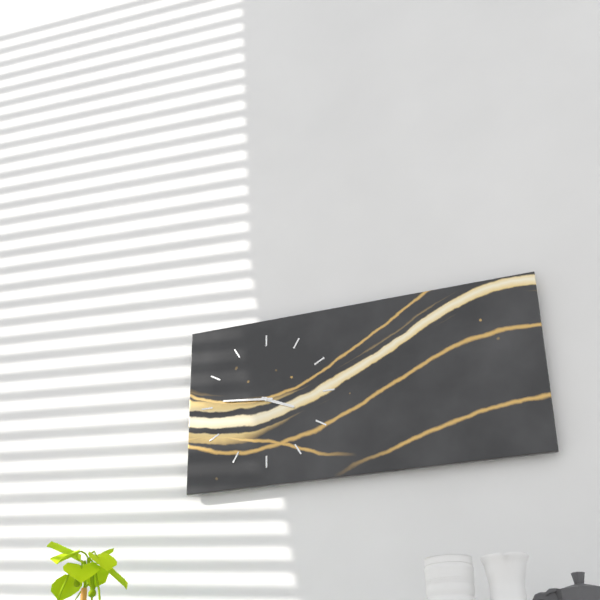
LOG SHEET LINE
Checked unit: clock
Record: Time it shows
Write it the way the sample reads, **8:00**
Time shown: **3:46**
